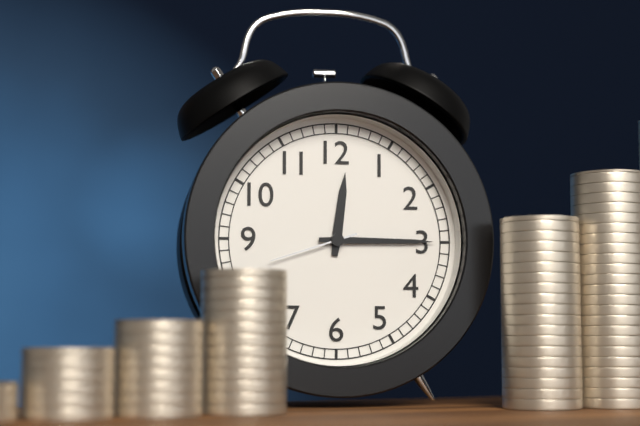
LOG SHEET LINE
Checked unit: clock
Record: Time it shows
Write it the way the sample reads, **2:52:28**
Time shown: **12:15:42**
